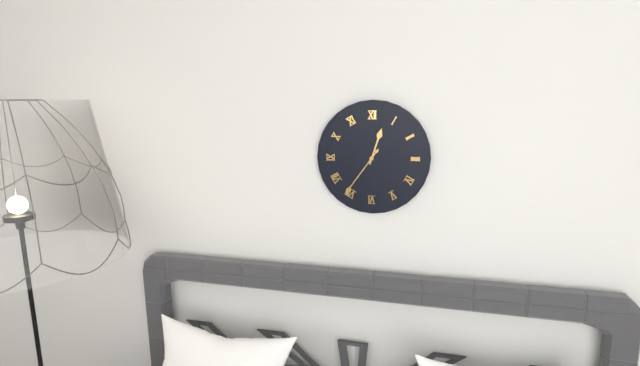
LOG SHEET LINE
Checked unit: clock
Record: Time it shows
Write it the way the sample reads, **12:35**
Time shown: **12:36**
